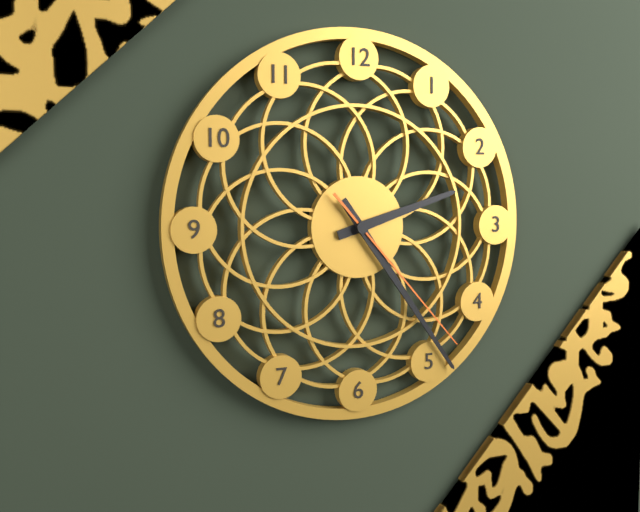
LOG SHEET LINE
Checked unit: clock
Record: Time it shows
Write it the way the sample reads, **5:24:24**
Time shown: **2:24:23**
